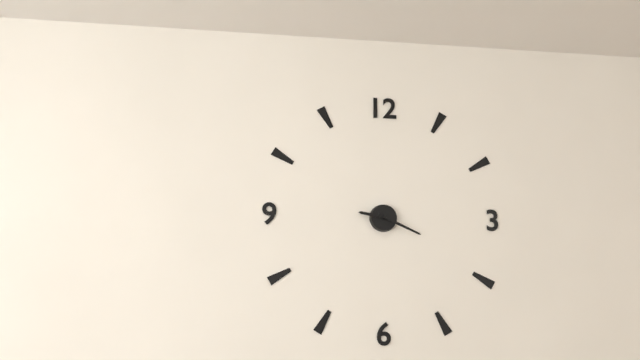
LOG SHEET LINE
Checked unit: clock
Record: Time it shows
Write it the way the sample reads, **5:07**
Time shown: **9:19**
